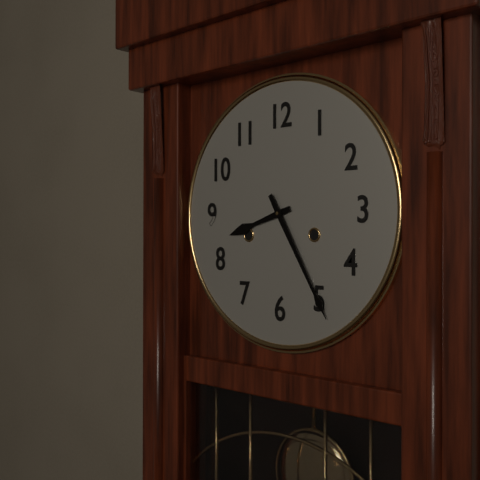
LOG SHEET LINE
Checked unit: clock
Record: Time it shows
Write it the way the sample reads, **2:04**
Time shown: **8:25**
